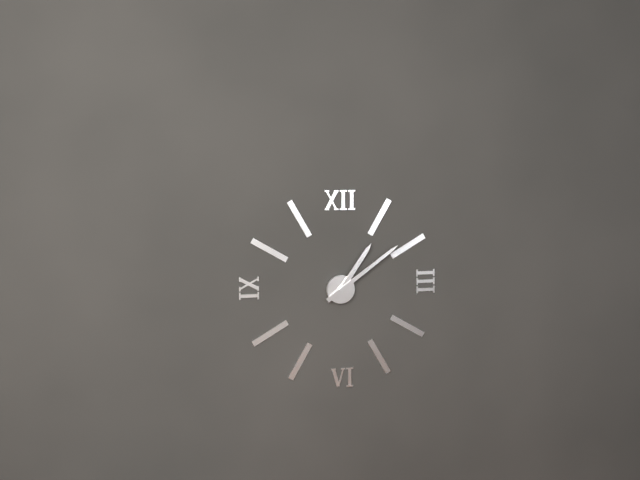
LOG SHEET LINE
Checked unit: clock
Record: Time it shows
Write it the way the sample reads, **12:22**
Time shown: **1:09**
